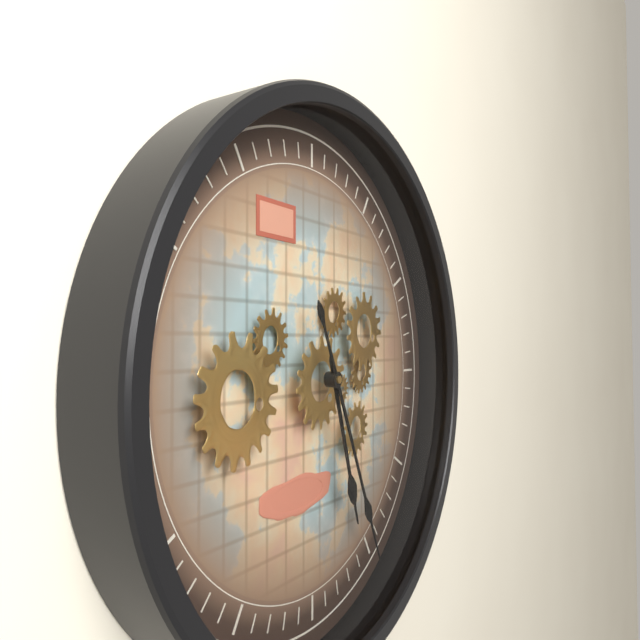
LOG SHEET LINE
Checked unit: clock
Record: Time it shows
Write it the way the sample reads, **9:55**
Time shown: **5:26**
